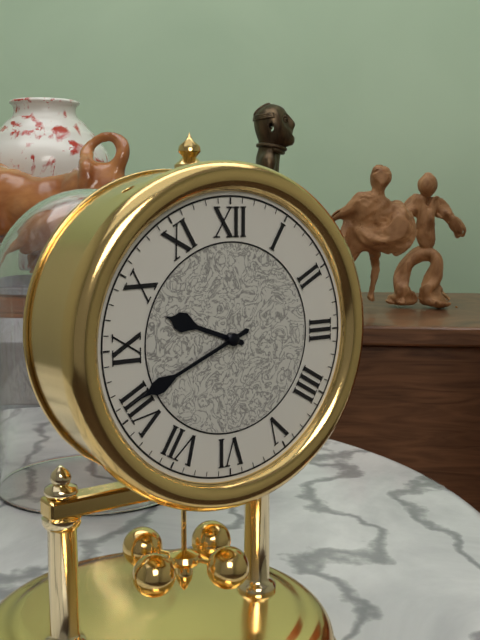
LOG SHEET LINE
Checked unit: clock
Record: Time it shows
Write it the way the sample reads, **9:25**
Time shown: **9:41**
